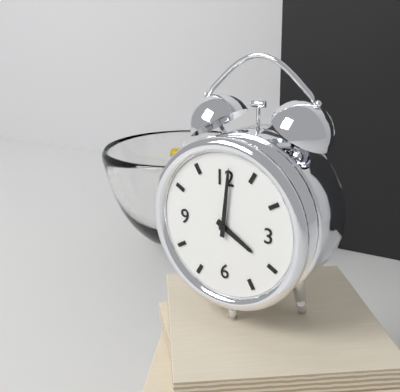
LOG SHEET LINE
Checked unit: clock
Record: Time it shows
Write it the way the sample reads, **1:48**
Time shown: **4:01**
